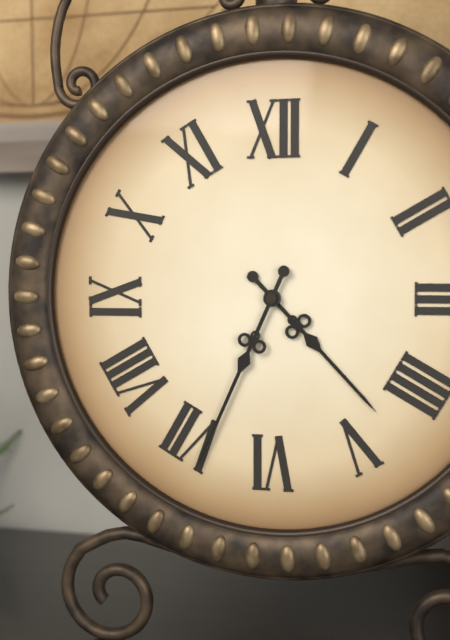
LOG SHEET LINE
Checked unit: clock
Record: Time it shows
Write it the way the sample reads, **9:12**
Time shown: **4:34**
